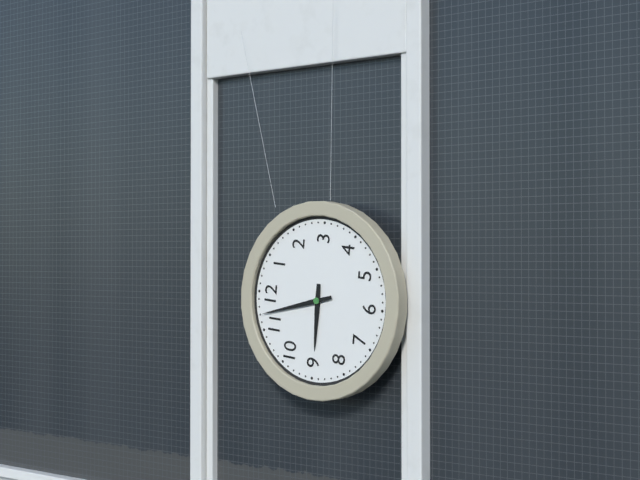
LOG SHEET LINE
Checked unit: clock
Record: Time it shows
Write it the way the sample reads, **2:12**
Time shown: **8:57**
